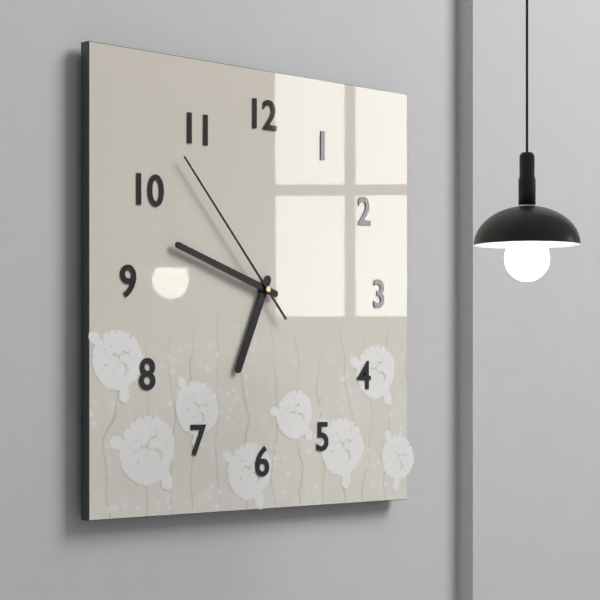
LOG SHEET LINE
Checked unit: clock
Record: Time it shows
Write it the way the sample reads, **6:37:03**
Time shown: **6:48:53**
